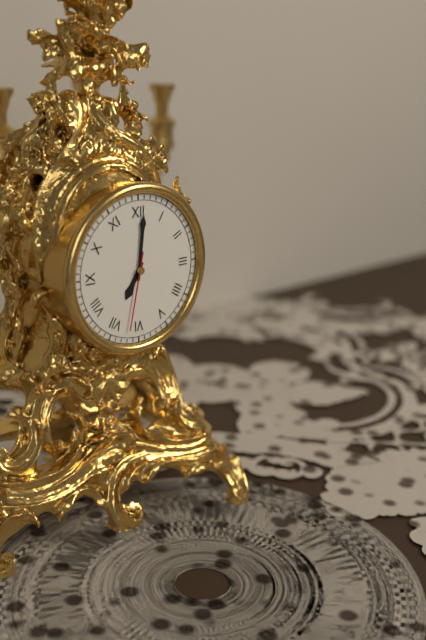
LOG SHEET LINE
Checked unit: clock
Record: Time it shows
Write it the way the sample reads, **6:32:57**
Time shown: **7:01:32**
